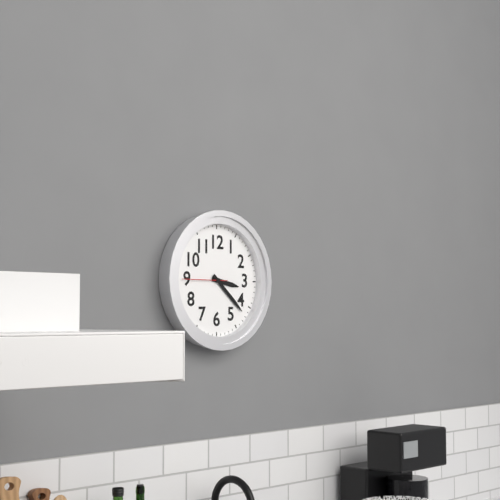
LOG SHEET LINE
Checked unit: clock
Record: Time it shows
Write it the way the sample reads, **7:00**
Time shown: **3:22**
